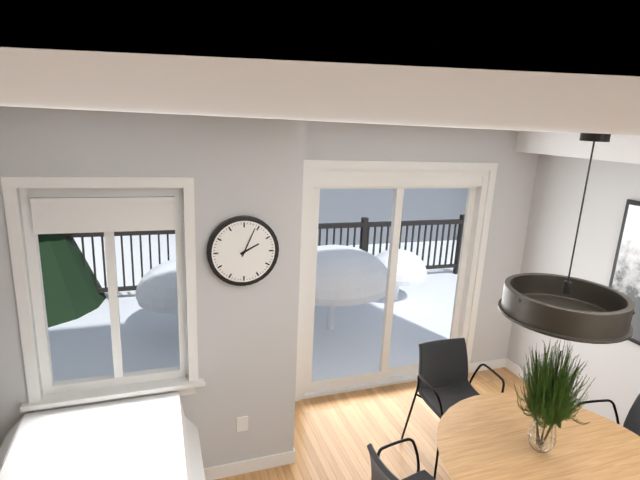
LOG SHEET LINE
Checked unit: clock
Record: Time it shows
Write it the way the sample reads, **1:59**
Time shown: **2:04**
